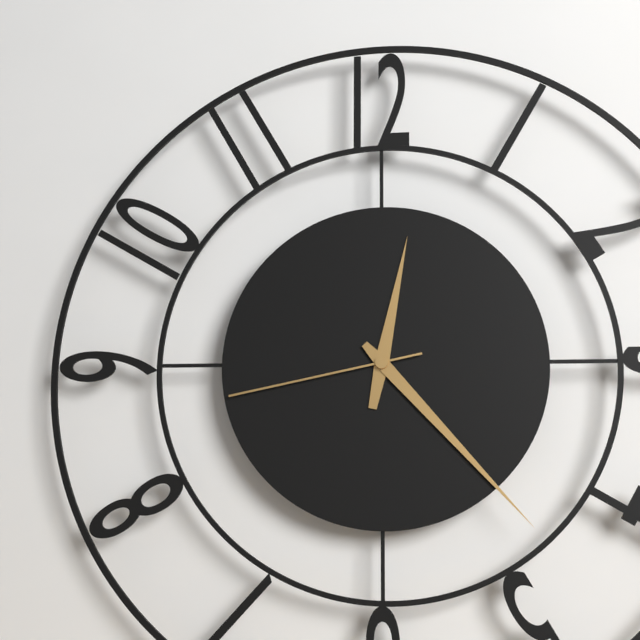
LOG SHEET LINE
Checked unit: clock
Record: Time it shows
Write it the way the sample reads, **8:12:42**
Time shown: **12:23:43**
